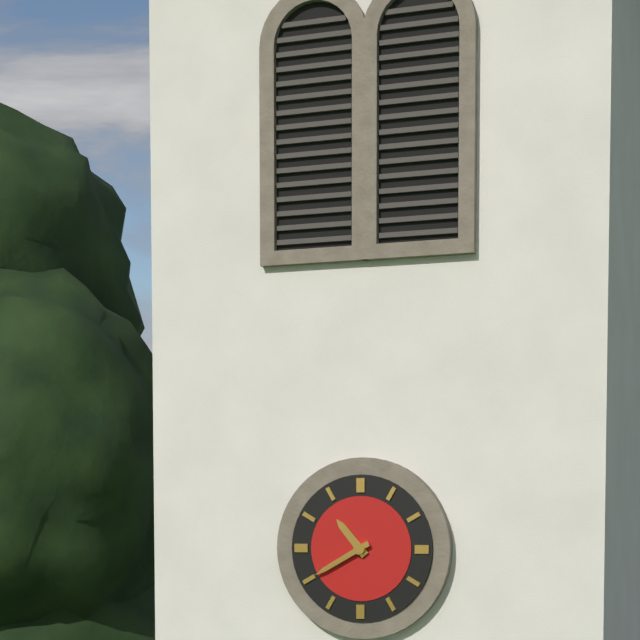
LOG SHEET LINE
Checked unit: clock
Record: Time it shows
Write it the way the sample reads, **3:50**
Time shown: **10:40**
